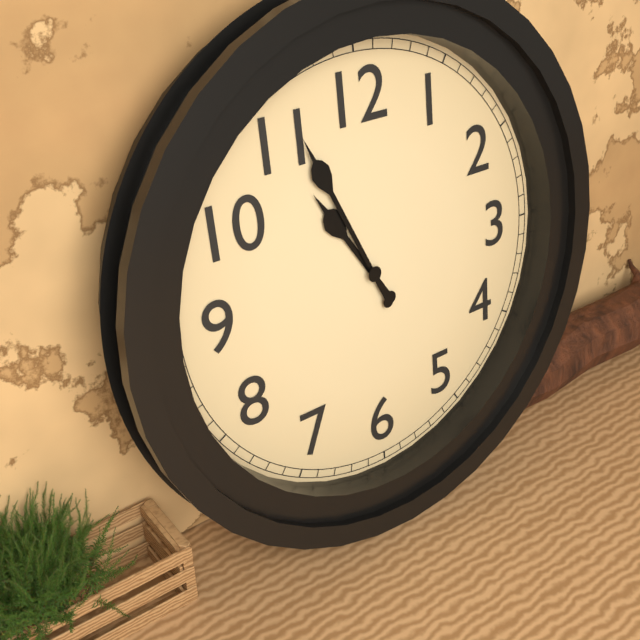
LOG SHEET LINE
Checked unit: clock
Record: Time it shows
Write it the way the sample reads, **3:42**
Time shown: **10:56**
